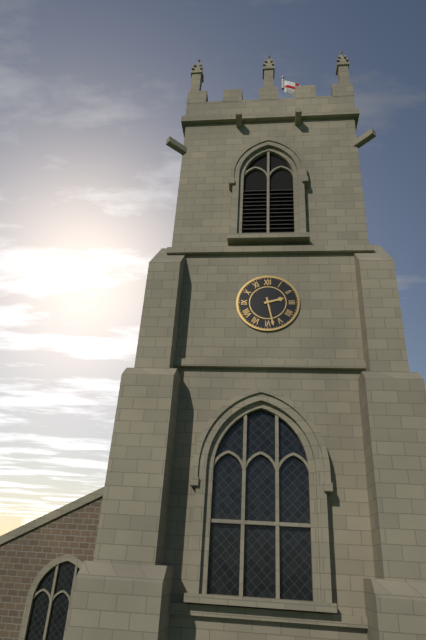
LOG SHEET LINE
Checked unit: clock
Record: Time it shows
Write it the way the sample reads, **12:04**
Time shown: **2:28**
